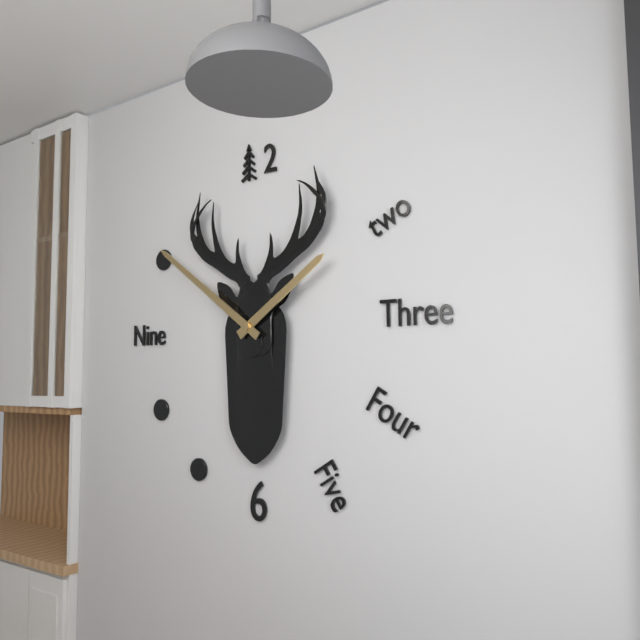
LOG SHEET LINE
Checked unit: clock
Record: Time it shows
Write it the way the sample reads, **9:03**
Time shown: **1:51**
